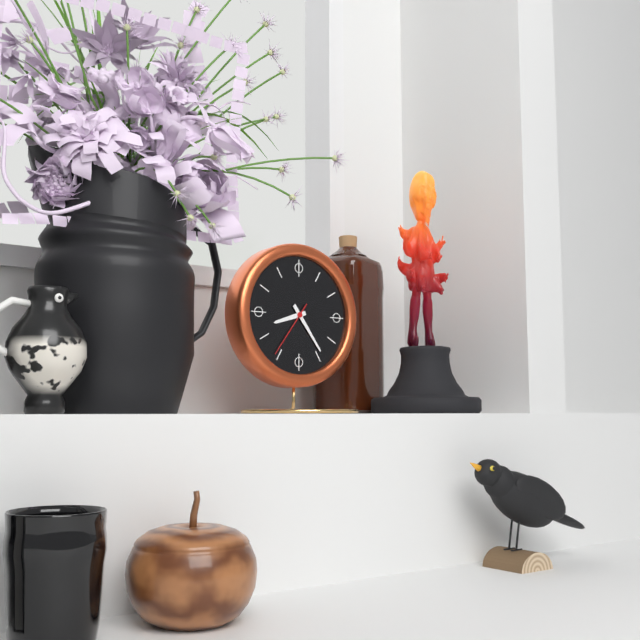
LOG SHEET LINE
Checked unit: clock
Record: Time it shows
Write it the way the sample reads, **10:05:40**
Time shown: **8:24:36**
